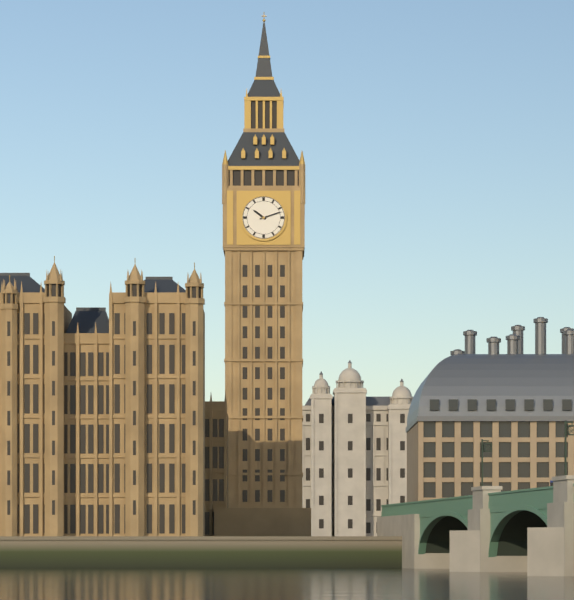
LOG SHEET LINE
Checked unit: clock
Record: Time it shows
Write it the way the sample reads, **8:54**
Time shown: **10:12**
